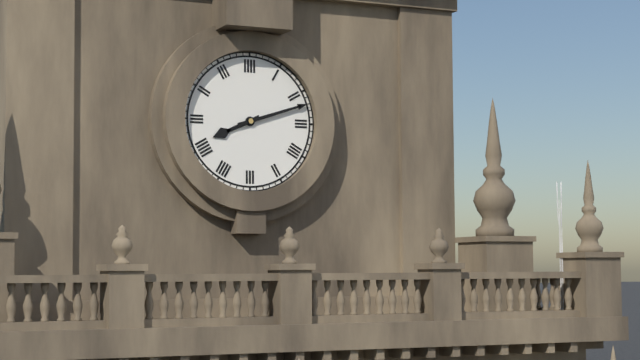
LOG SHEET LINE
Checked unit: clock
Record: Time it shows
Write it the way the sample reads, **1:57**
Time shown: **8:12**
